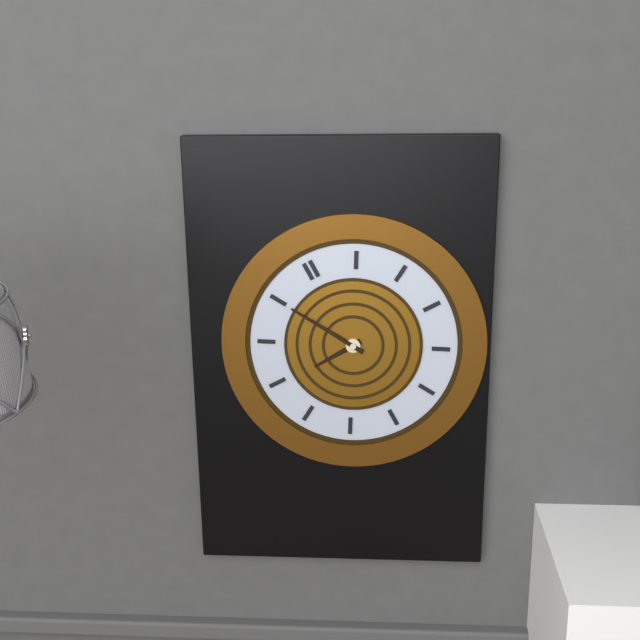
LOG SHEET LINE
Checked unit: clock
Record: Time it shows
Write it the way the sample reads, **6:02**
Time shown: **8:55**
